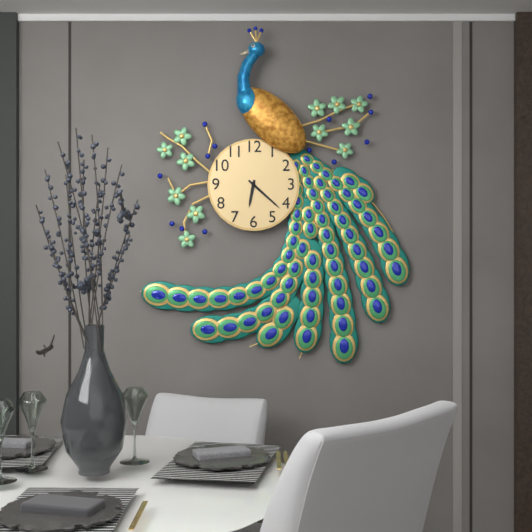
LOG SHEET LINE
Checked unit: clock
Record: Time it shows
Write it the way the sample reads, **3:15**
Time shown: **6:22**
